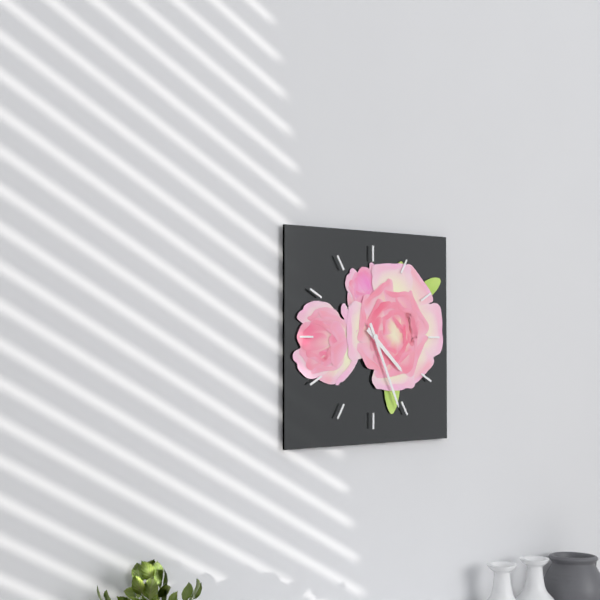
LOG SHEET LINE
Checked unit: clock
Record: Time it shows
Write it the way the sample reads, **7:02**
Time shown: **4:26**
